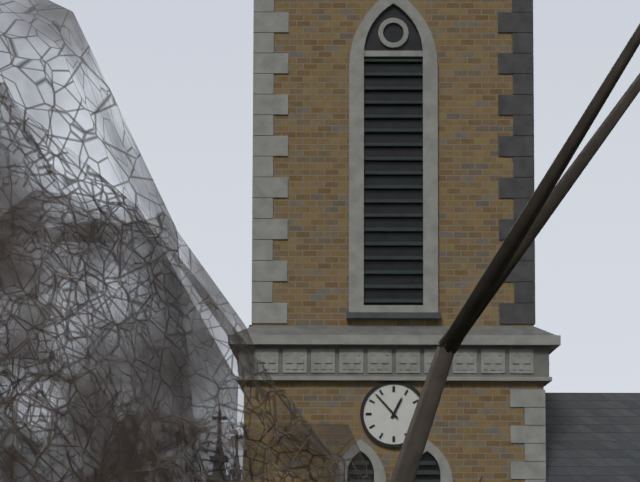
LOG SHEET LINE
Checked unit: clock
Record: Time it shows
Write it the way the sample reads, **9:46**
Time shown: **12:53**
